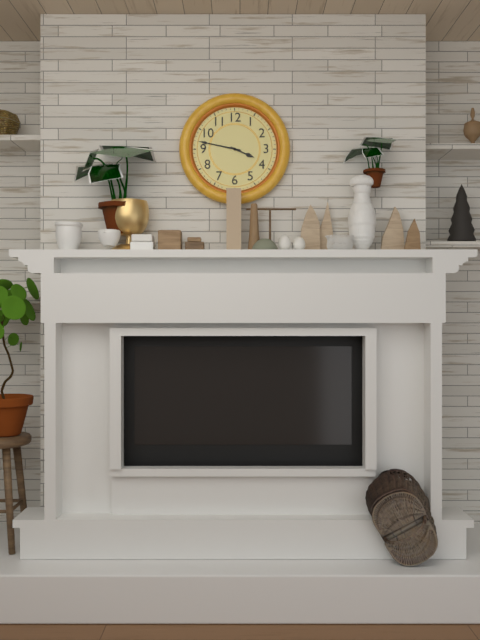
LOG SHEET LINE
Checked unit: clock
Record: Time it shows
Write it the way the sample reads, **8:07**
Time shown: **3:47**
